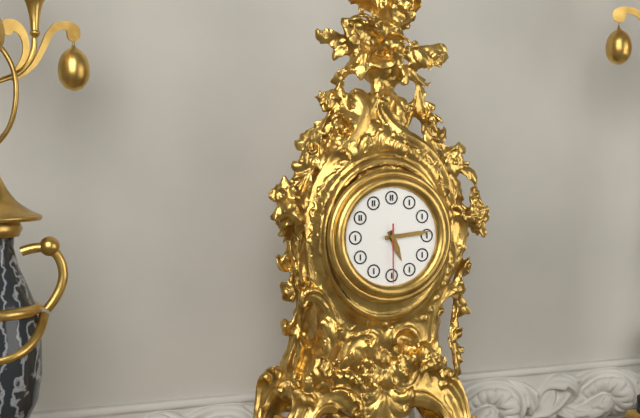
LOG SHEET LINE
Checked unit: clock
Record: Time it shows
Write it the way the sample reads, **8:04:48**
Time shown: **5:14:30**
